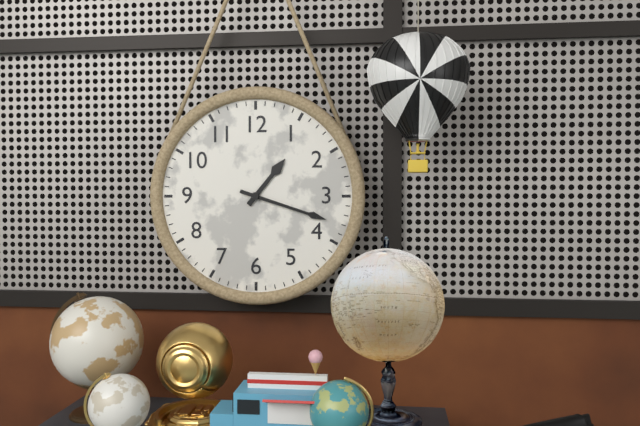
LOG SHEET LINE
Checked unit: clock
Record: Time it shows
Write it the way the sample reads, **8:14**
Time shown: **1:18**
